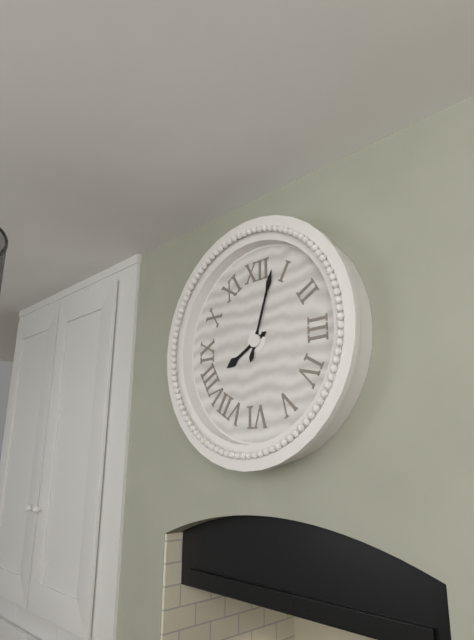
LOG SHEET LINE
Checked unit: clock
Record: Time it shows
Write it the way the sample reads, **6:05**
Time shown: **8:03**
